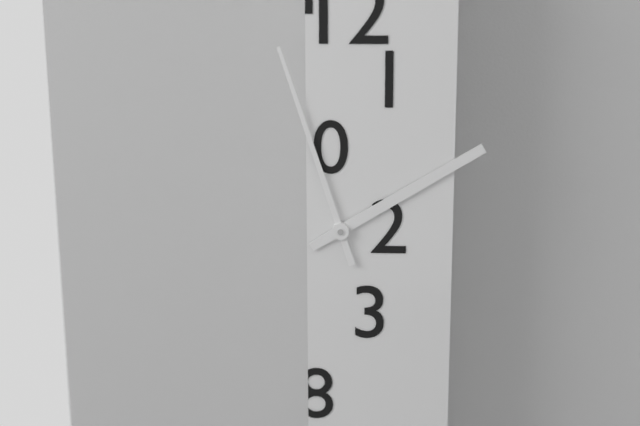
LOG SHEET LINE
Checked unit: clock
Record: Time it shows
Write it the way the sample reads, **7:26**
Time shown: **1:57**
